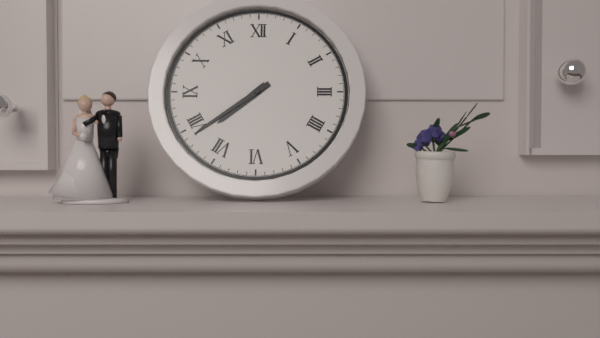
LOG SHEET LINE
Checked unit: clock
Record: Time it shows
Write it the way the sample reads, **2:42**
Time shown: **7:39**
